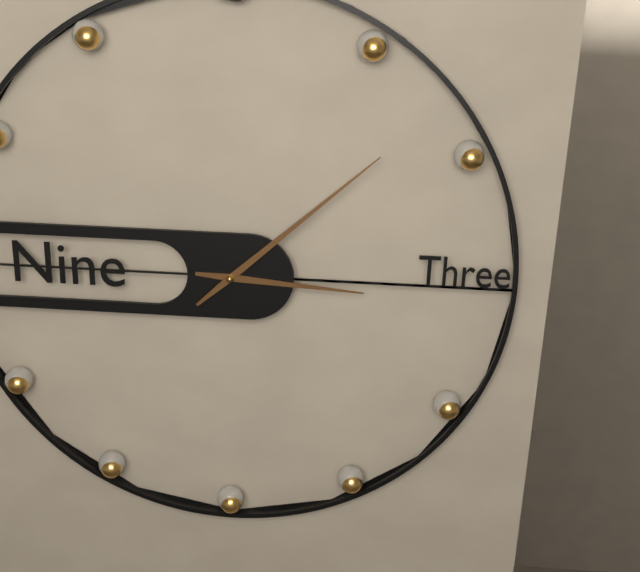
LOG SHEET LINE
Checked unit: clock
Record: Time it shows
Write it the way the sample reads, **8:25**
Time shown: **3:08**
